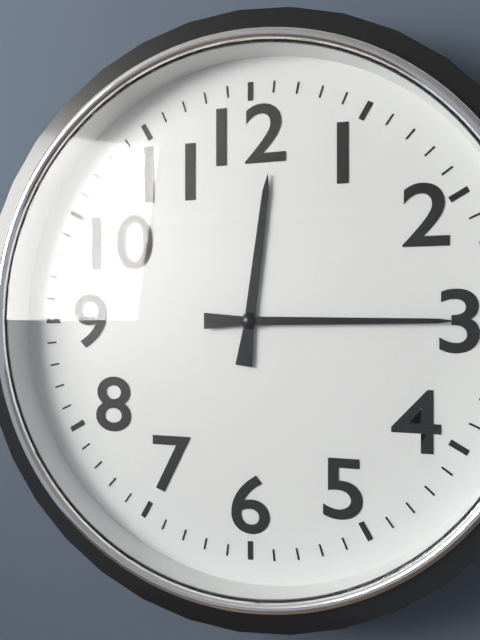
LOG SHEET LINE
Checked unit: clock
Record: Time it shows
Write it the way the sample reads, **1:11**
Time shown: **12:15**
